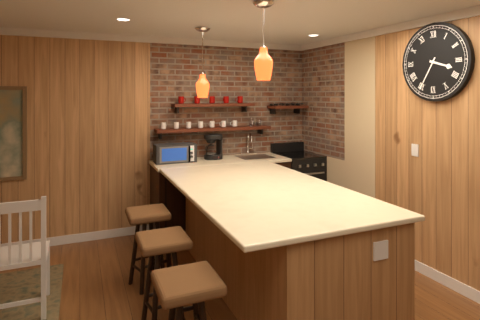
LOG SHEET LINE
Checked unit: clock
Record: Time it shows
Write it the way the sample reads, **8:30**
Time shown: **3:35**
